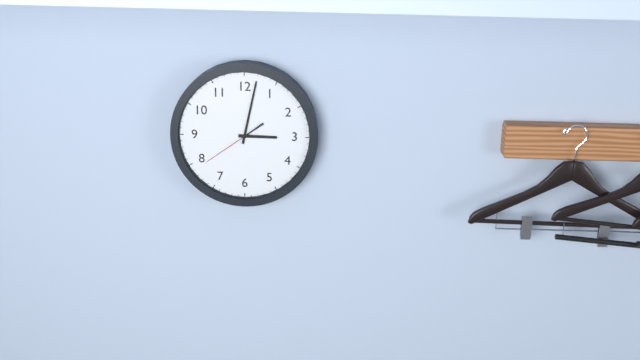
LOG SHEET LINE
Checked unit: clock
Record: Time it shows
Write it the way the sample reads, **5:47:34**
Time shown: **3:02:39**
